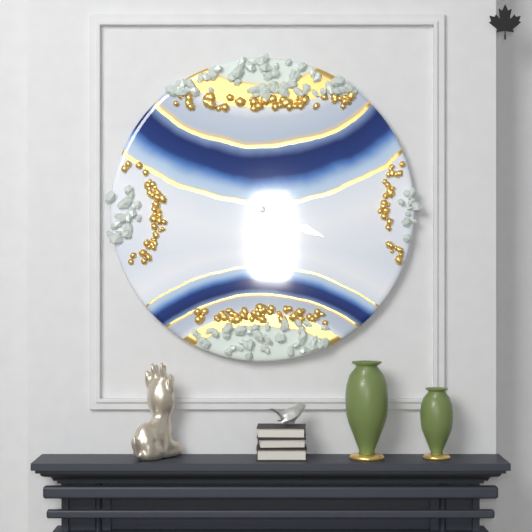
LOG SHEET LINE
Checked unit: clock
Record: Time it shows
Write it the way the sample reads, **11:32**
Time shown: **4:19**
